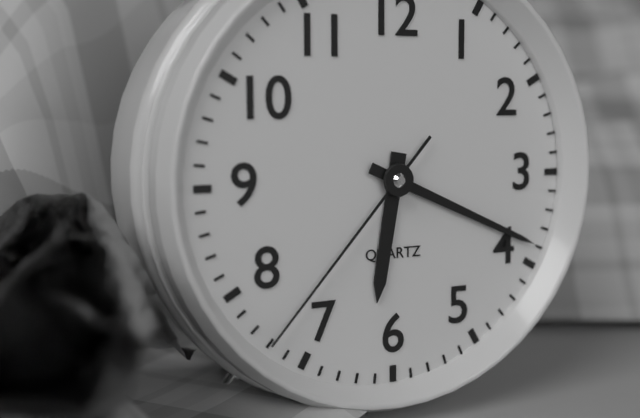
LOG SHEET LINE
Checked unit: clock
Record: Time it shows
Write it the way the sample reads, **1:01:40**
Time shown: **6:19:37**
